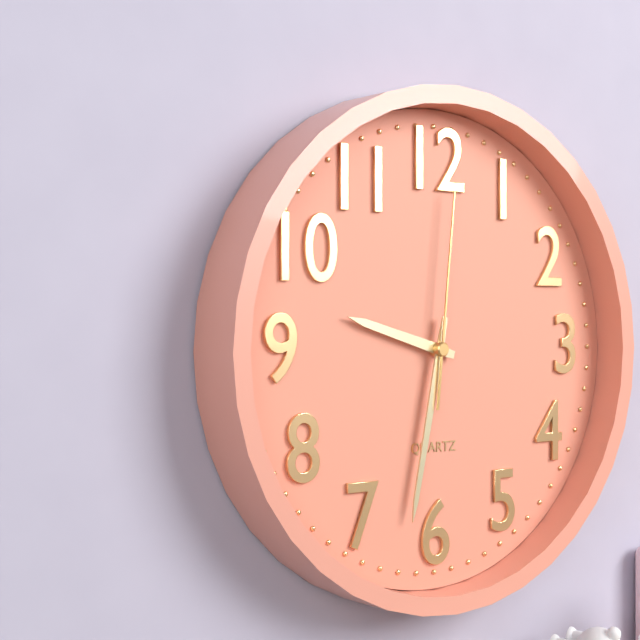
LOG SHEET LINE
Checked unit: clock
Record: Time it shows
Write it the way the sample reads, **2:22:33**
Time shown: **9:32:01**
